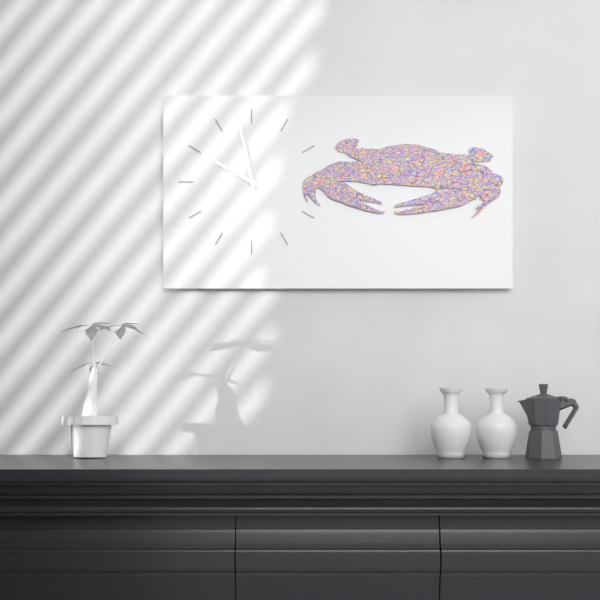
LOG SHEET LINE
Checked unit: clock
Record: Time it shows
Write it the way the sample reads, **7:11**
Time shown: **9:58**
